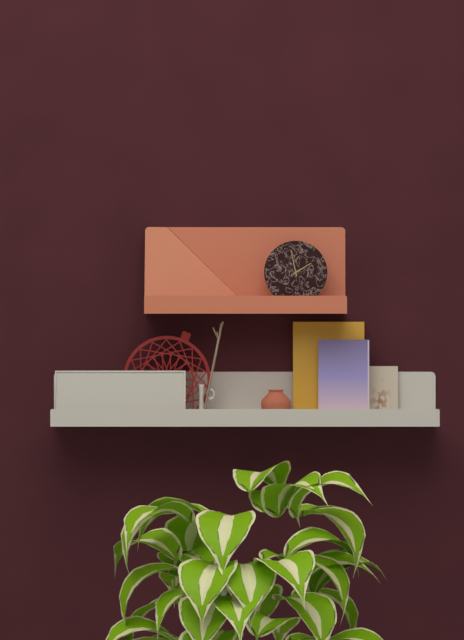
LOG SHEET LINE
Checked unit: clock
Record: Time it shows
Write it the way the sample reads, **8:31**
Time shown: **1:58**
